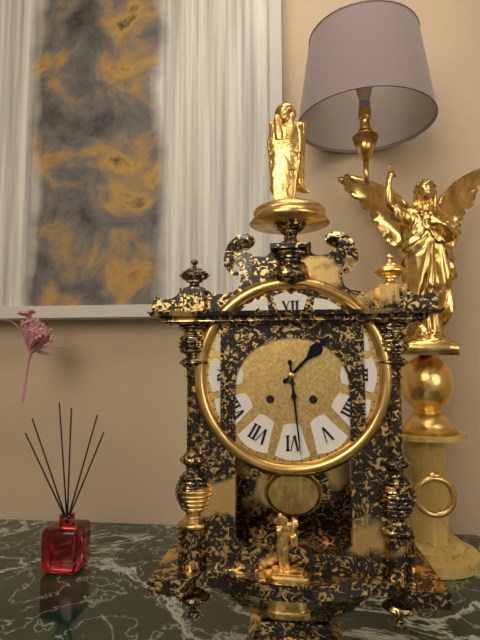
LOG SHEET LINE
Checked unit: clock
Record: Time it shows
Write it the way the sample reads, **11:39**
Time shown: **1:29**
